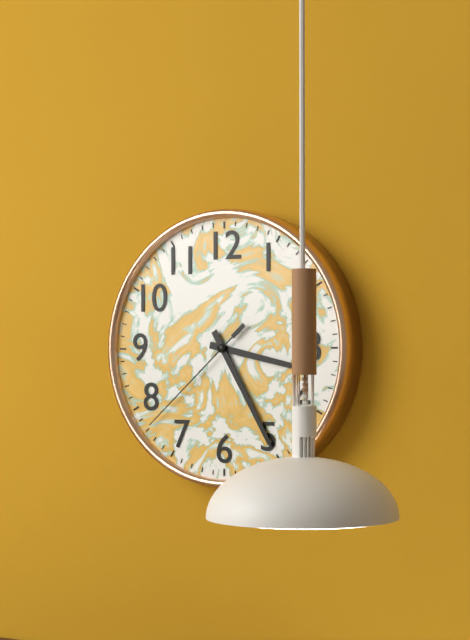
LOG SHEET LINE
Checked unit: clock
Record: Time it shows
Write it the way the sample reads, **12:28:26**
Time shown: **3:25:38**
